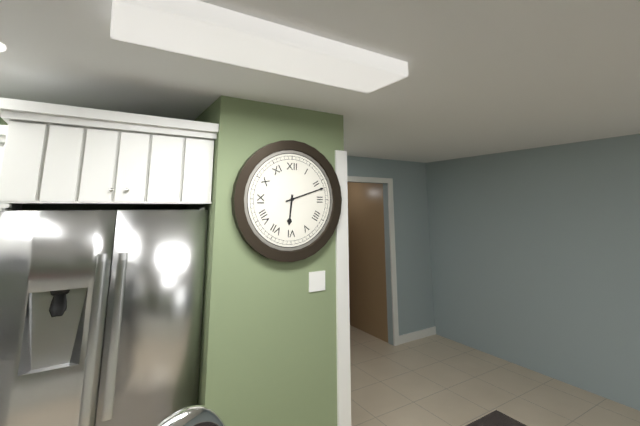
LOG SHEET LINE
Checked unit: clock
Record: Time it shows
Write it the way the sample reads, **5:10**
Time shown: **6:12**
